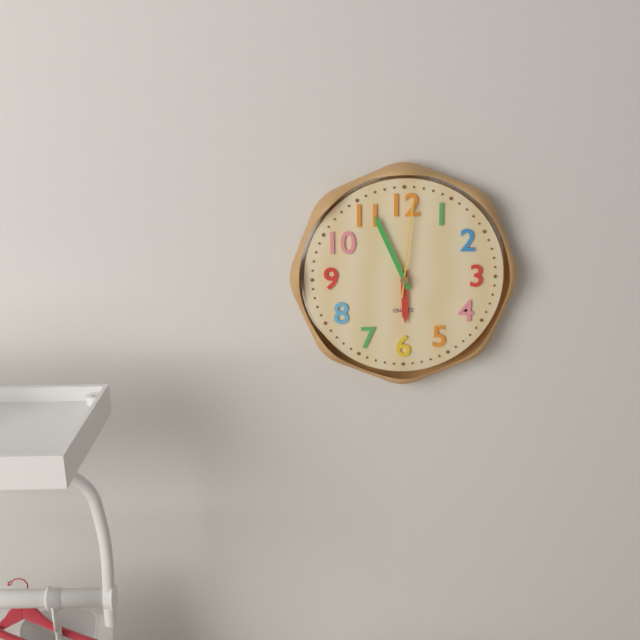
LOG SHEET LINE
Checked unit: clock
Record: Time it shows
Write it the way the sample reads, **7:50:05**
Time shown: **5:56:01**
